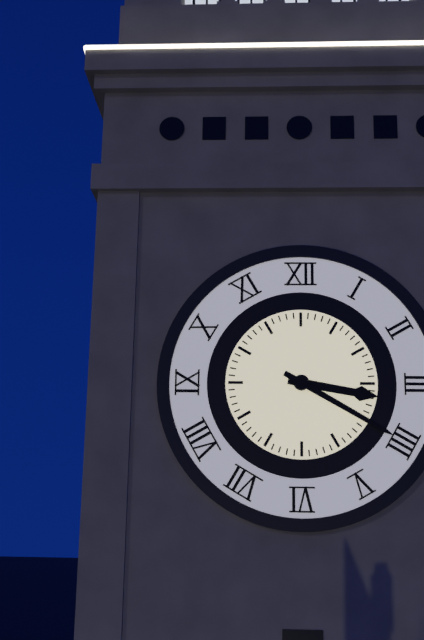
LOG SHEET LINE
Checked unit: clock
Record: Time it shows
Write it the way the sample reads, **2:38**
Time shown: **3:20**
